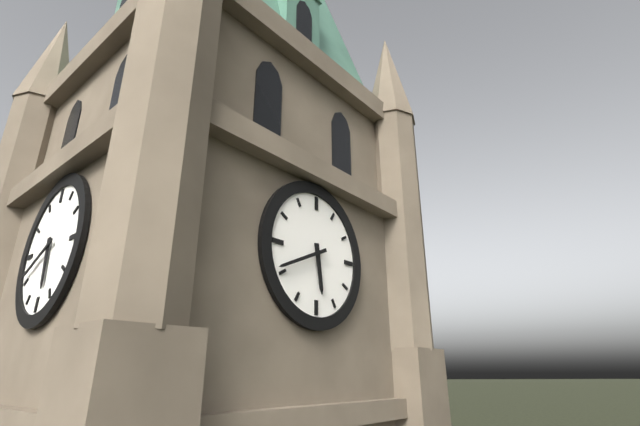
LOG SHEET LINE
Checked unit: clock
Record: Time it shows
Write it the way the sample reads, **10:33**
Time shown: **5:41**
